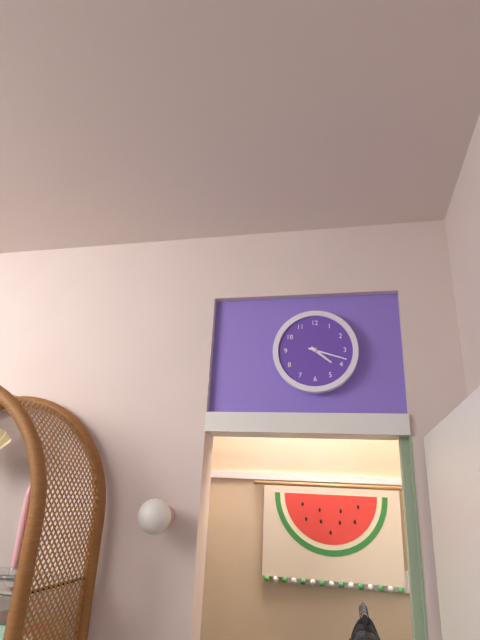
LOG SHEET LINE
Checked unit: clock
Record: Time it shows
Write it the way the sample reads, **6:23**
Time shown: **4:18**
